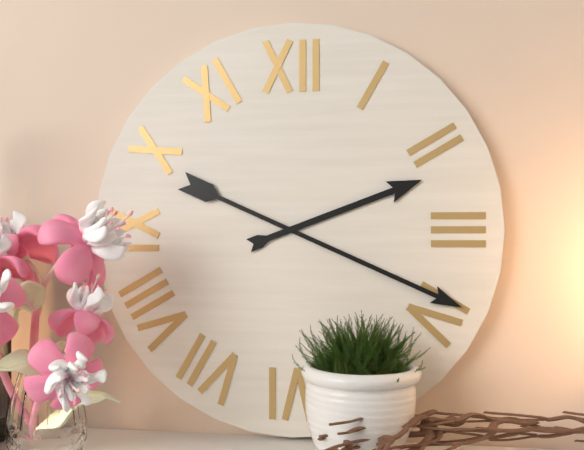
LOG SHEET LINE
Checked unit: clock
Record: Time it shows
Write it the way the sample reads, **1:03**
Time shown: **2:19**
